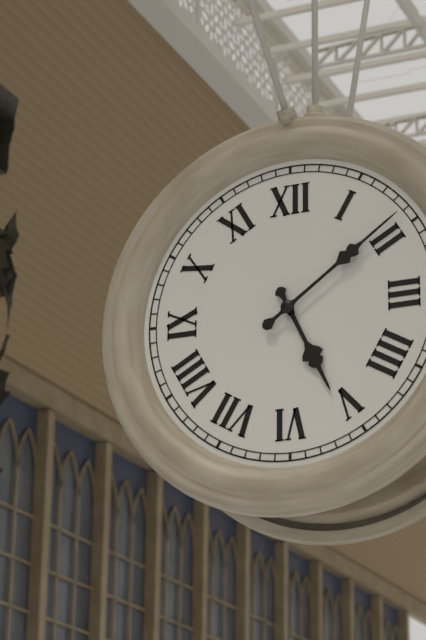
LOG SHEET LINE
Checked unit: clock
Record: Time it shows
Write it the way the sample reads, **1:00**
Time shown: **5:09**
